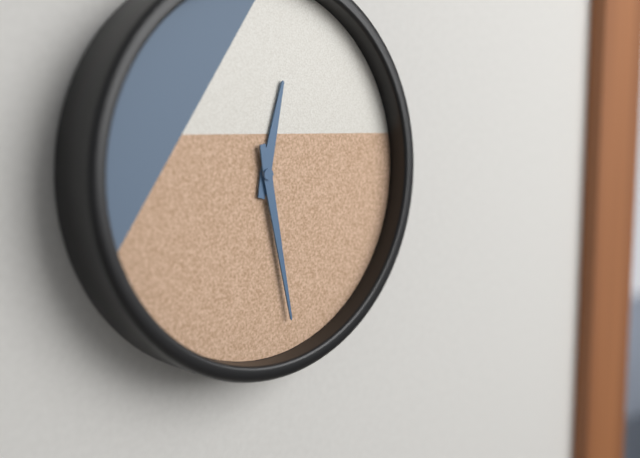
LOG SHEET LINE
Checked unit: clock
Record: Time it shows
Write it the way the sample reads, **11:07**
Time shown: **12:28**
